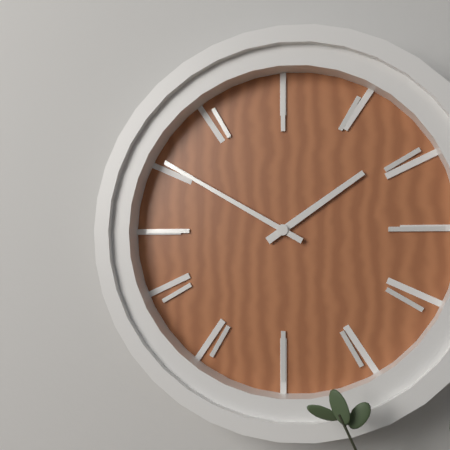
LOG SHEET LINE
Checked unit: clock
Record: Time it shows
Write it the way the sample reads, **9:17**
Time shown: **1:50**
